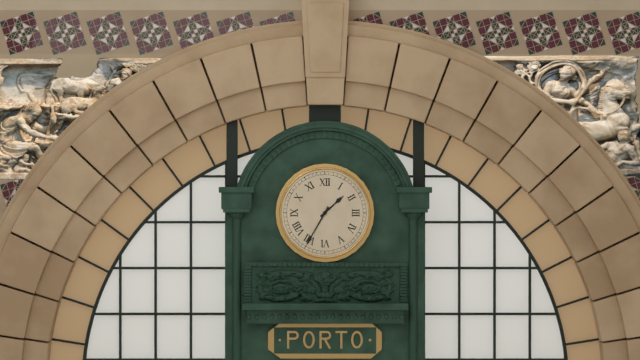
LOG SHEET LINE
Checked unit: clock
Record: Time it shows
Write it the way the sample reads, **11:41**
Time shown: **1:35**
